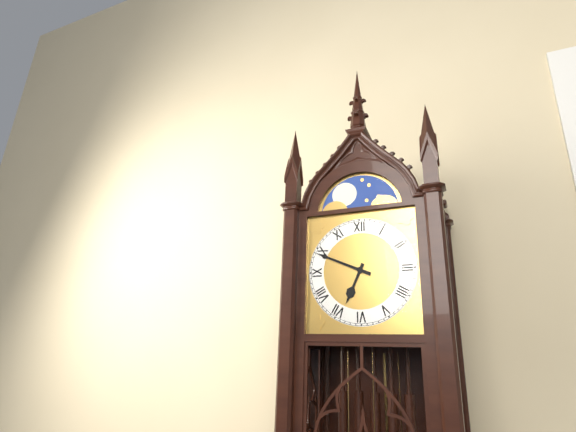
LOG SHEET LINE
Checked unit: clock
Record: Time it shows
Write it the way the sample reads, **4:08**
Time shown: **6:49**
